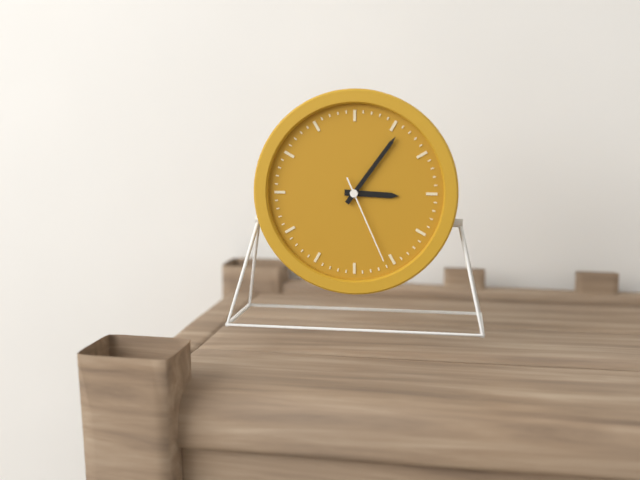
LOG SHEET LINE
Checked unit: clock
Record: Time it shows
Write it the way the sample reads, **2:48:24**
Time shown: **3:06:26**
